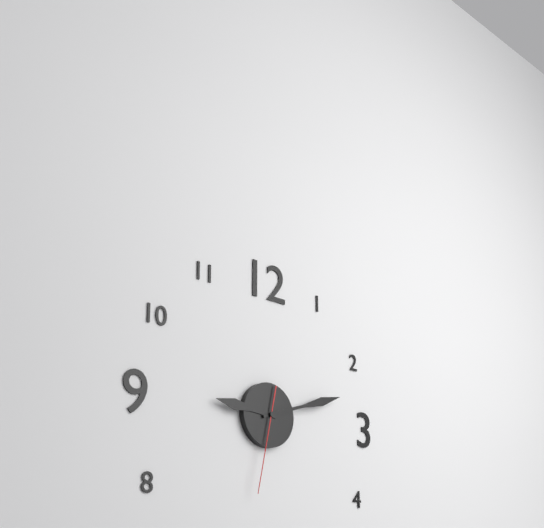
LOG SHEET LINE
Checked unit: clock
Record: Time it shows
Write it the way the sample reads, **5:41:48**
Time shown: **9:12:32**
